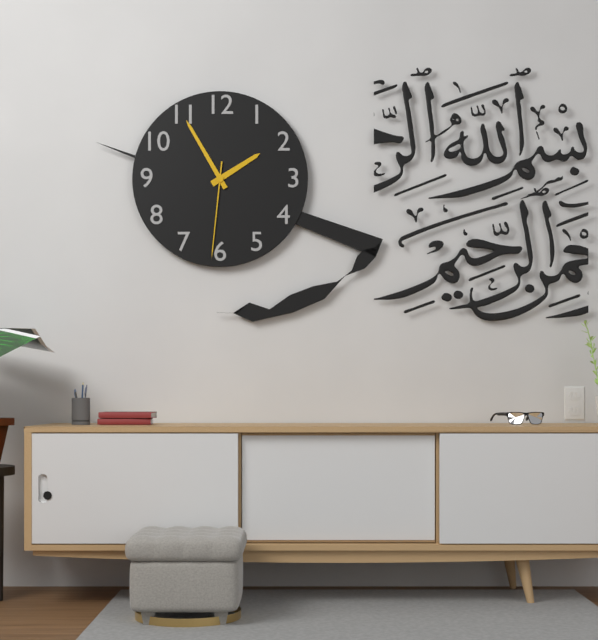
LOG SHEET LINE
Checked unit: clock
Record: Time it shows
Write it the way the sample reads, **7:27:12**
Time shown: **1:55:31**
